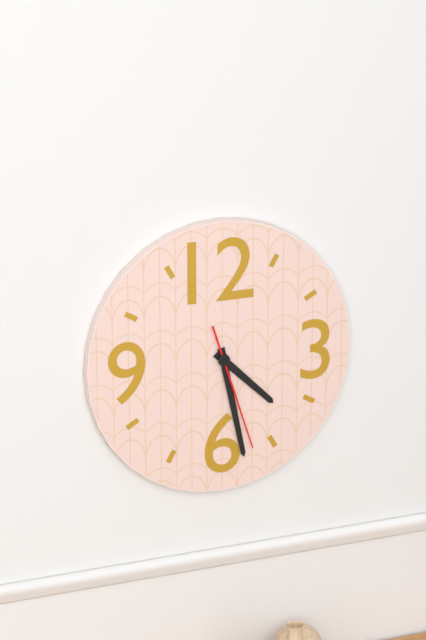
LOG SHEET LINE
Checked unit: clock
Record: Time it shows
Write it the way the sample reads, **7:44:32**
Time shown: **4:28:27**
